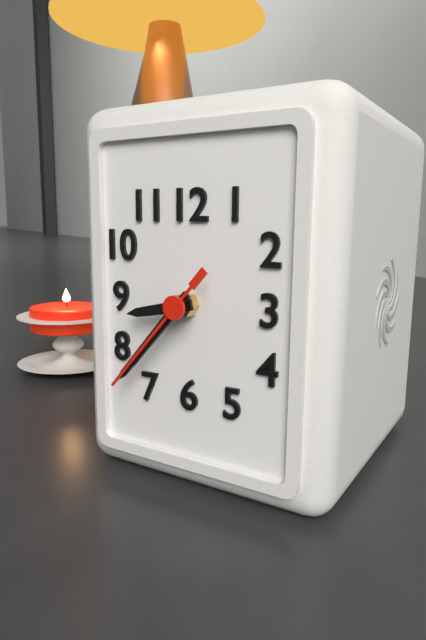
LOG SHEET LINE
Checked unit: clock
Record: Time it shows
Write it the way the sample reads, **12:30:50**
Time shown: **8:37:37**
